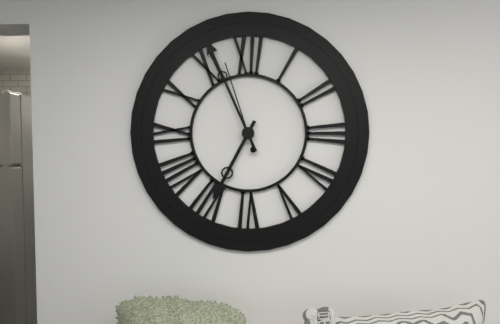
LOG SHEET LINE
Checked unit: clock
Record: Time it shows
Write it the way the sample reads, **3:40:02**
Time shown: **6:56:57**
